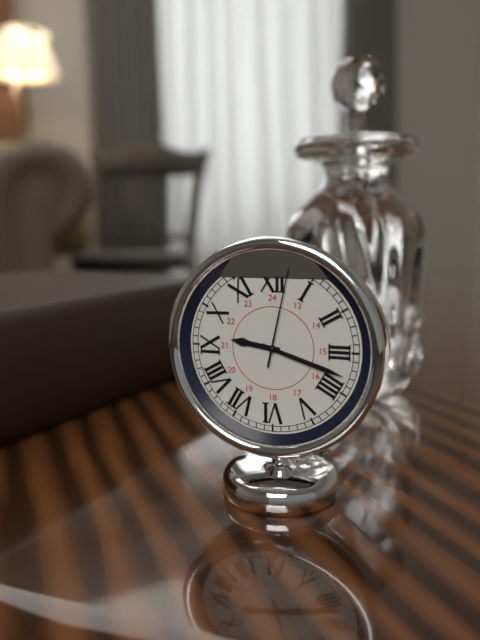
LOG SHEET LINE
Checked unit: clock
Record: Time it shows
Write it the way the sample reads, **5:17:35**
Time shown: **9:18:02**
